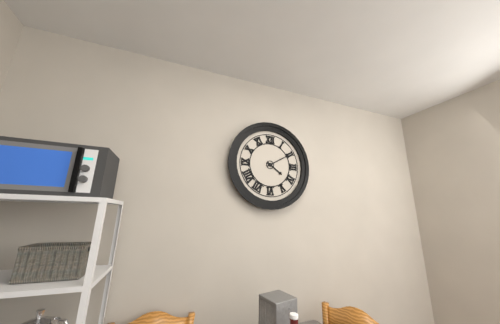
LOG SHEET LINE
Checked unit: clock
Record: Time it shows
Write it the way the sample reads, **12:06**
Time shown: **4:10**
